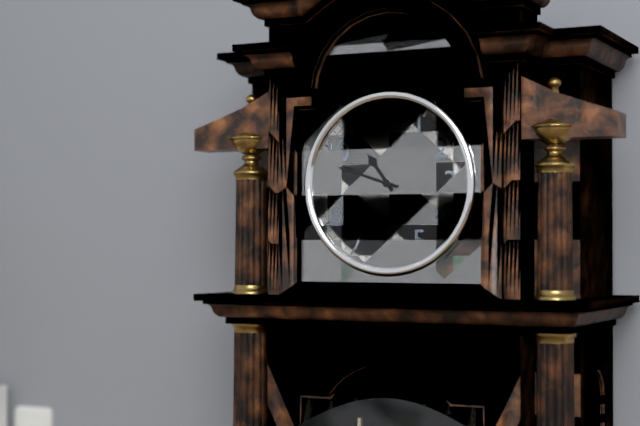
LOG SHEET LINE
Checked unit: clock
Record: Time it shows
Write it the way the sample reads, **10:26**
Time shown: **10:48**
